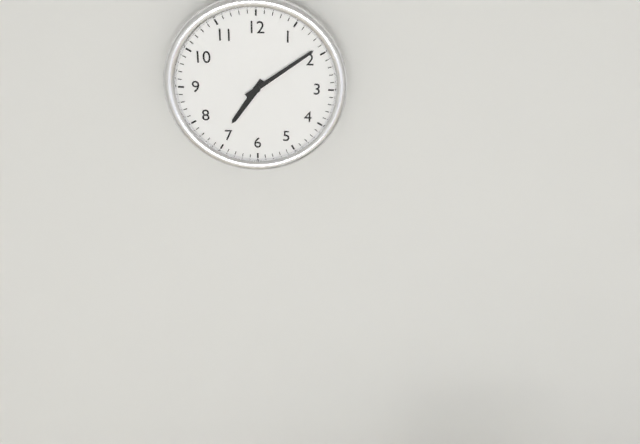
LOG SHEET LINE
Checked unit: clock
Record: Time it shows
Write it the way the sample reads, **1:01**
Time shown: **7:09**
